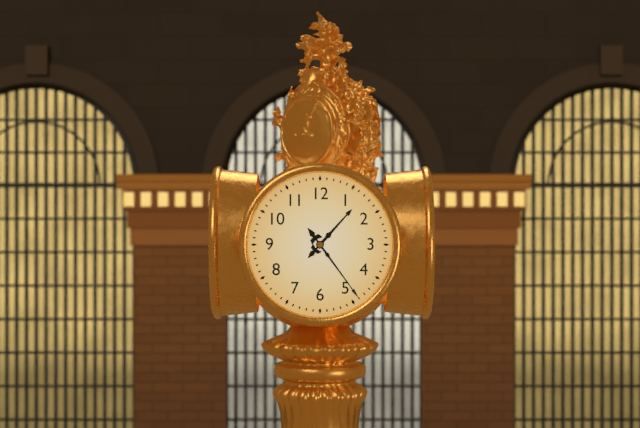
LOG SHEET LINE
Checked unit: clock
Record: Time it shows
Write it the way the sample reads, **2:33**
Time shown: **1:24**
